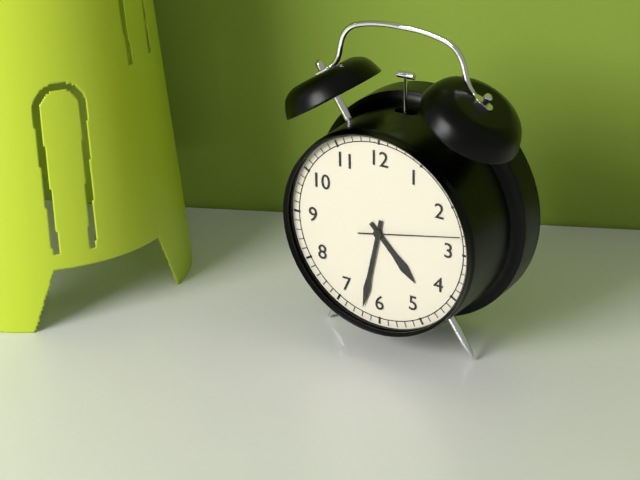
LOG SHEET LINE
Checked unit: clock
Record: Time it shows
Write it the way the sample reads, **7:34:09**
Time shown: **4:32:13**
